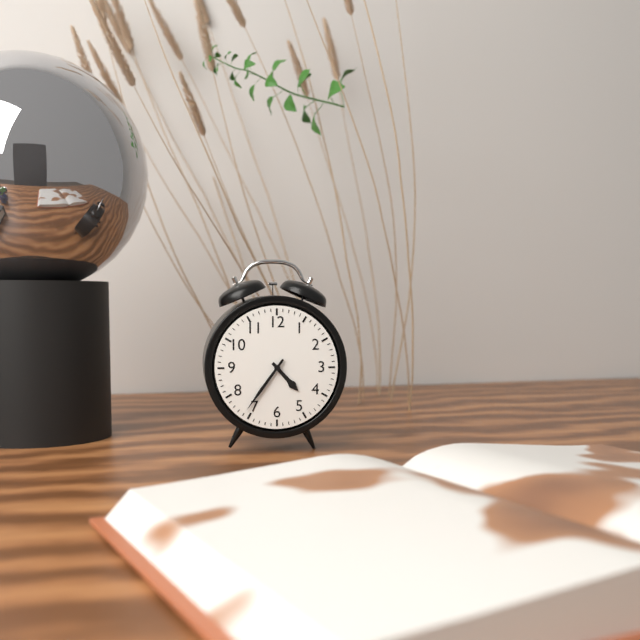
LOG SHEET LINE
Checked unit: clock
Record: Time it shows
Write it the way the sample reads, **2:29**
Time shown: **4:36**
